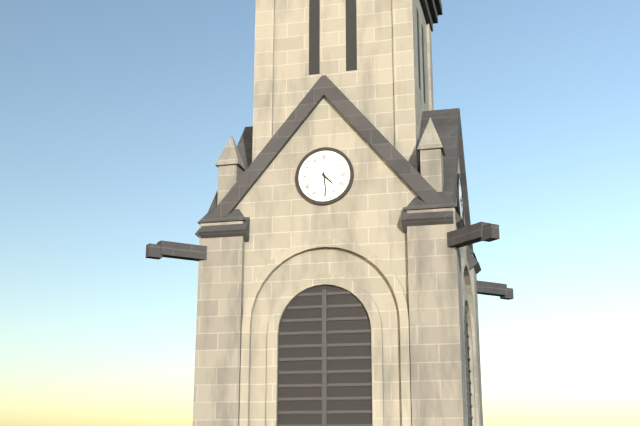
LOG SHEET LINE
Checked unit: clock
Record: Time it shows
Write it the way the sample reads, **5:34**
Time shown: **4:29**
